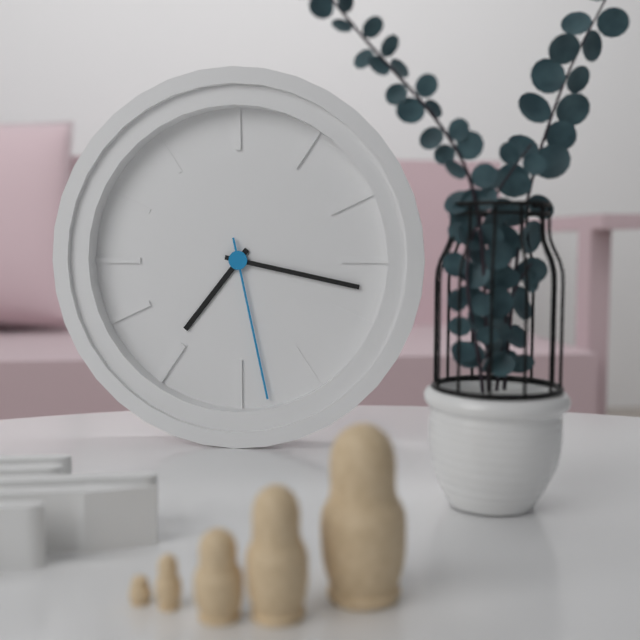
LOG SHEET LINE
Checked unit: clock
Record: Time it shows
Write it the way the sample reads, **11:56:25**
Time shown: **7:17:28**
